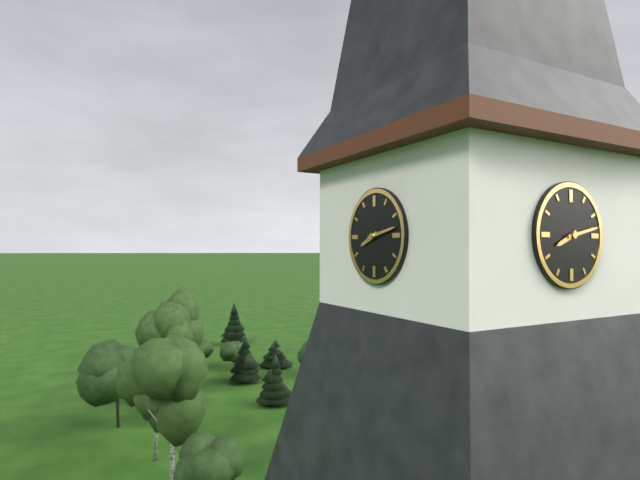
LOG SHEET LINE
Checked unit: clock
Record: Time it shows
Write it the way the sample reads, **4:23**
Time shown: **8:13**
